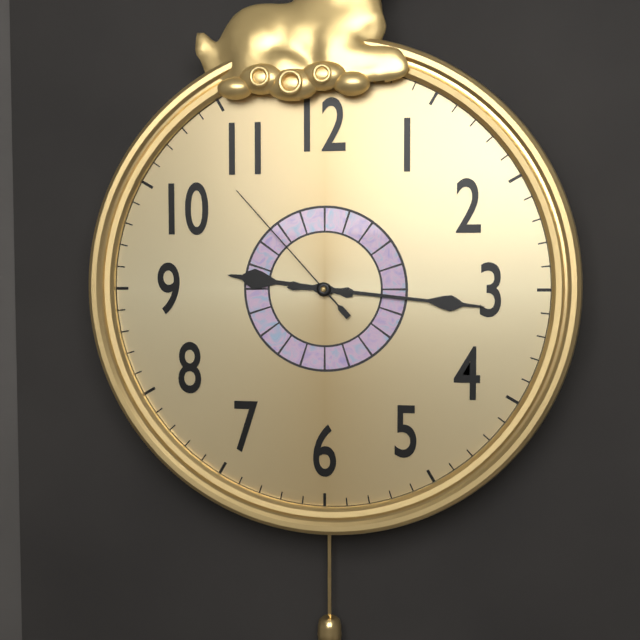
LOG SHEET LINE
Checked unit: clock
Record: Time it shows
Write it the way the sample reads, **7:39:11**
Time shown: **9:16:53**
